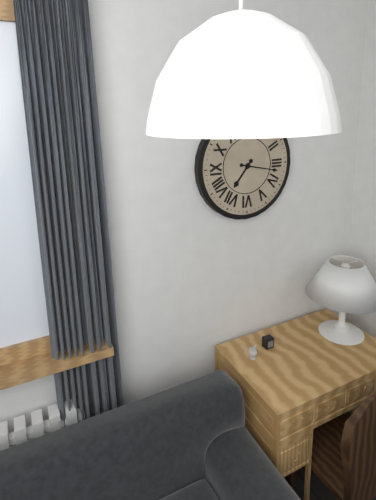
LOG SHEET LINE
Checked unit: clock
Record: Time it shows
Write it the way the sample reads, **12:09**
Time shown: **7:17**
